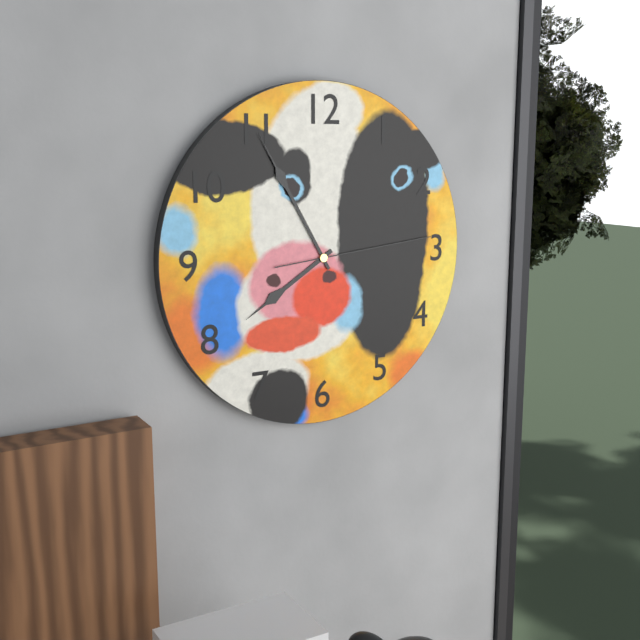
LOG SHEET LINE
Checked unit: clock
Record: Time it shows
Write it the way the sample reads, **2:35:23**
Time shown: **7:55:14**
